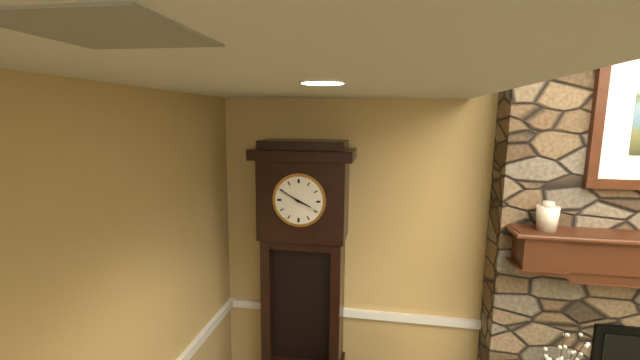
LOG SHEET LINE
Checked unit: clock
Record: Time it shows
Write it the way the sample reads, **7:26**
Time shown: **3:50**
